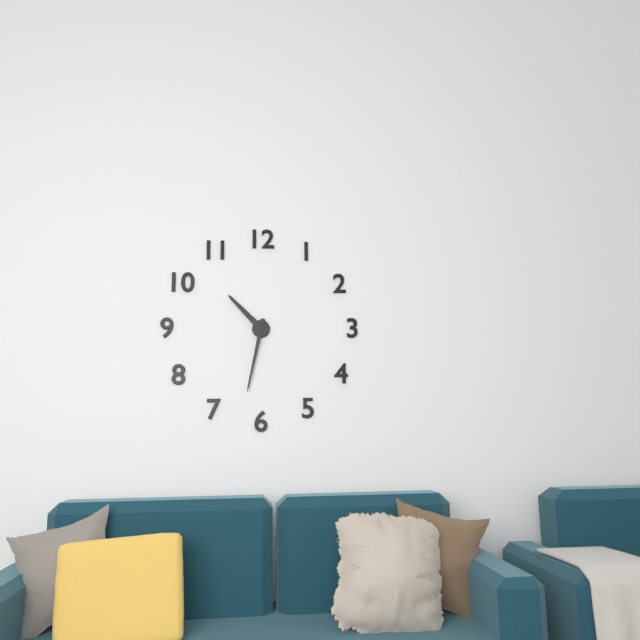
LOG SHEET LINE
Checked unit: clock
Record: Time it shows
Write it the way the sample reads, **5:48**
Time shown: **10:32**
